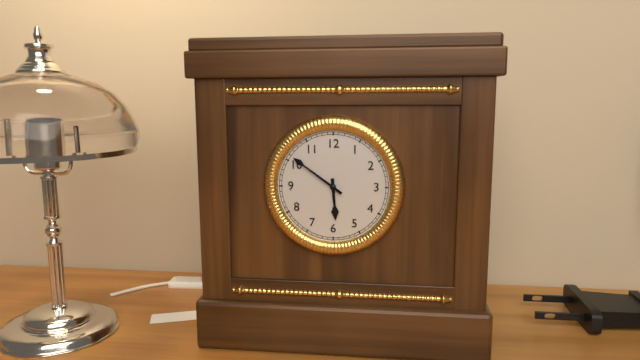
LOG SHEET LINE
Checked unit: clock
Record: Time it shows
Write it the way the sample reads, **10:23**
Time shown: **5:51**
